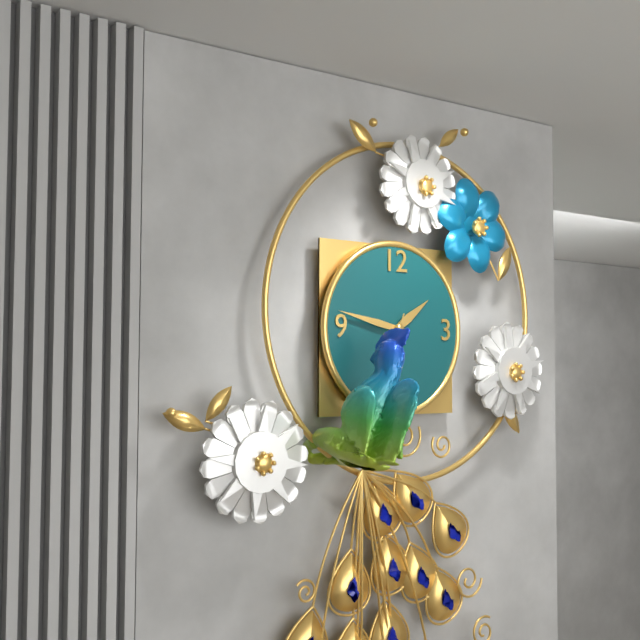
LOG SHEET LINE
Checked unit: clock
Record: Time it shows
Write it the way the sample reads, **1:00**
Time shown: **1:47**
